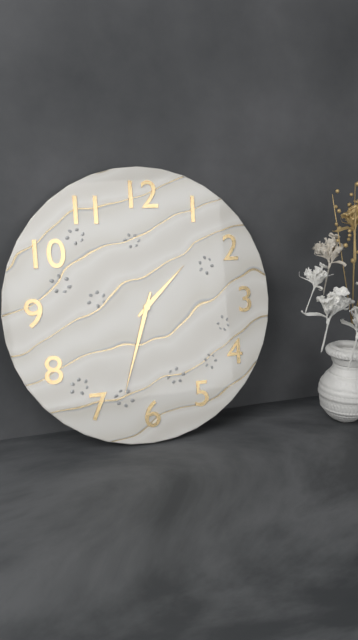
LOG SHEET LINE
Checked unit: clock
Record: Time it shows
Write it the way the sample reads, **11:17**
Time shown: **1:33**
